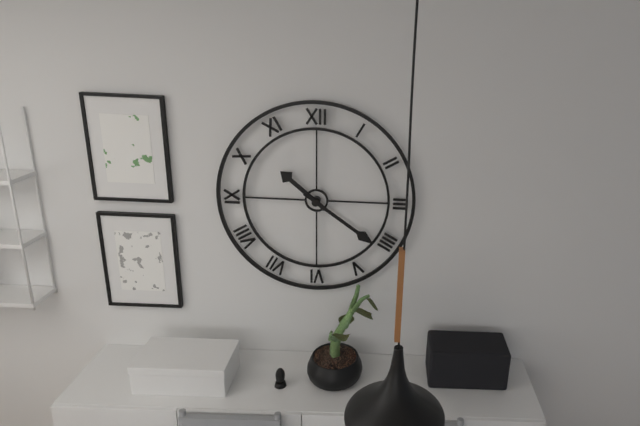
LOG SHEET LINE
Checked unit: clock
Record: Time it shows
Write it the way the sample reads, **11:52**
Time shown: **10:21**
